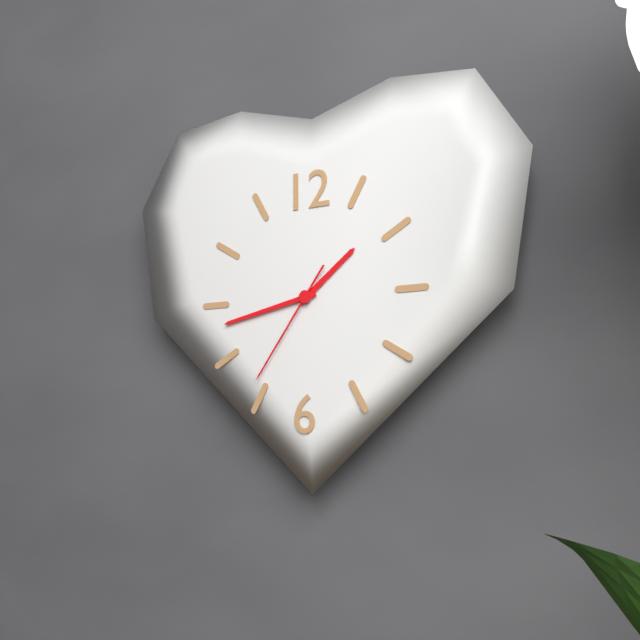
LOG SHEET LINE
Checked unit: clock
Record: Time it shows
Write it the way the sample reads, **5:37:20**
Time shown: **1:43:36**
